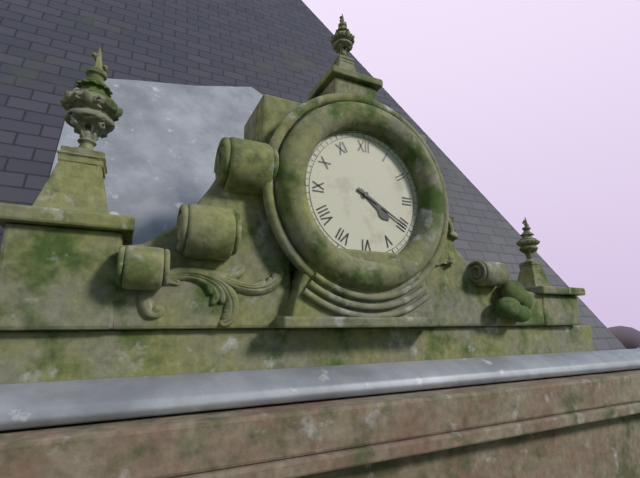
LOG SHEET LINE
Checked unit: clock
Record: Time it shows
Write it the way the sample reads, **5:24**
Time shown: **4:20**
